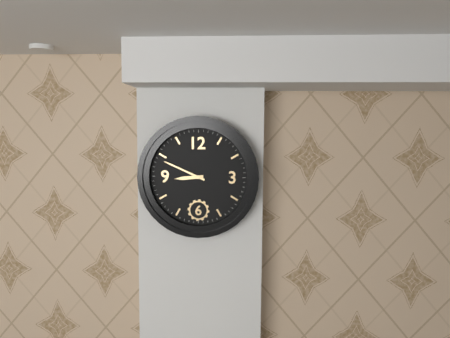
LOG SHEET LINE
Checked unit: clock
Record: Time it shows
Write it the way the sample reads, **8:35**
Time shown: **8:49**
